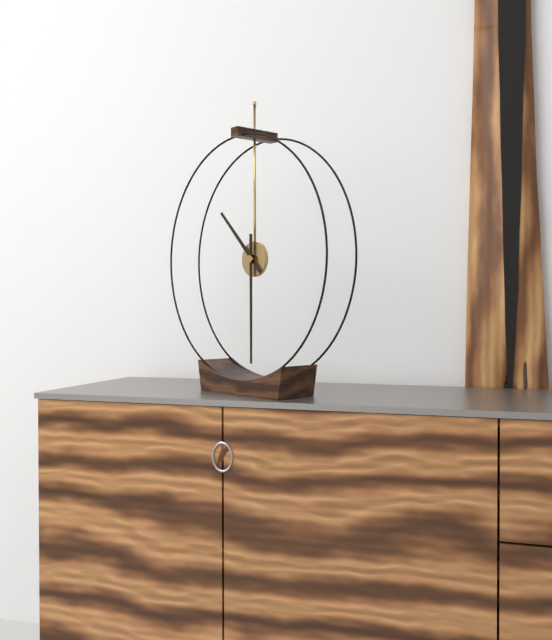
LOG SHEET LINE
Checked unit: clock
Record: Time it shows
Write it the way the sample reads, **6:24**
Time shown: **10:30**
